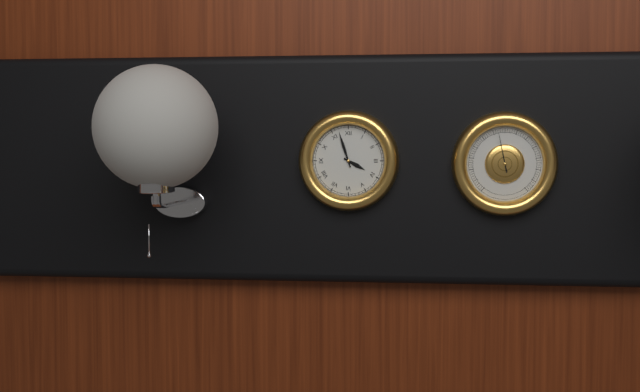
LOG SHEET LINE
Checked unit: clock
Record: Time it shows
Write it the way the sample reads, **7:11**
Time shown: **3:57**
